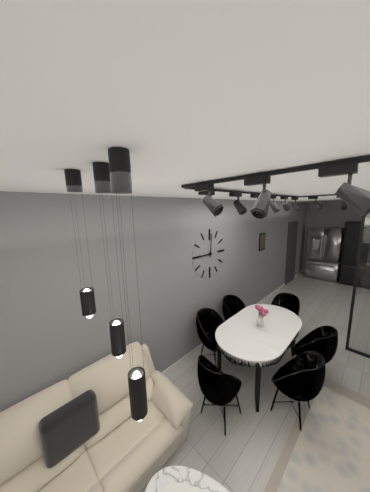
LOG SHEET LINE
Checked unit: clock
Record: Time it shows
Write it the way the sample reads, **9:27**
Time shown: **9:01**
